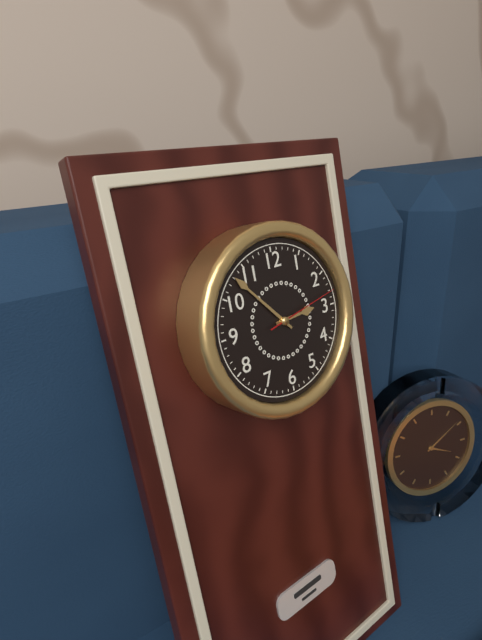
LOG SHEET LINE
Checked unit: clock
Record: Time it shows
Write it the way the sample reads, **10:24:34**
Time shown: **2:53:13**
